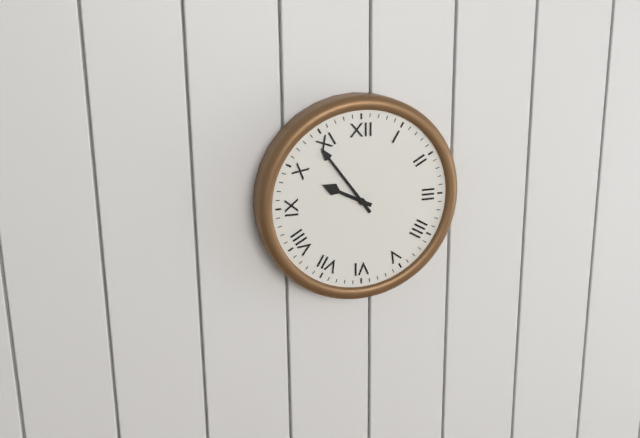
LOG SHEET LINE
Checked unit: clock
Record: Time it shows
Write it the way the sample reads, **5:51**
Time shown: **9:54**
